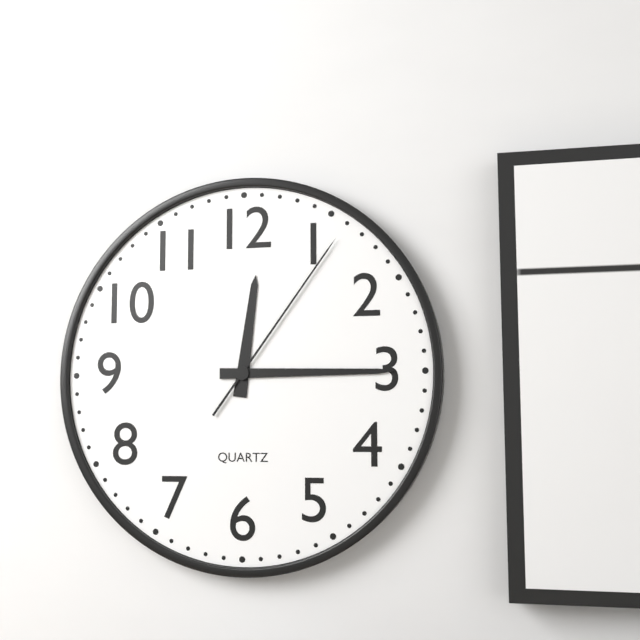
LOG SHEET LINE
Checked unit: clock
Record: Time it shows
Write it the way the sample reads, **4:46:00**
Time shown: **12:15:06**
